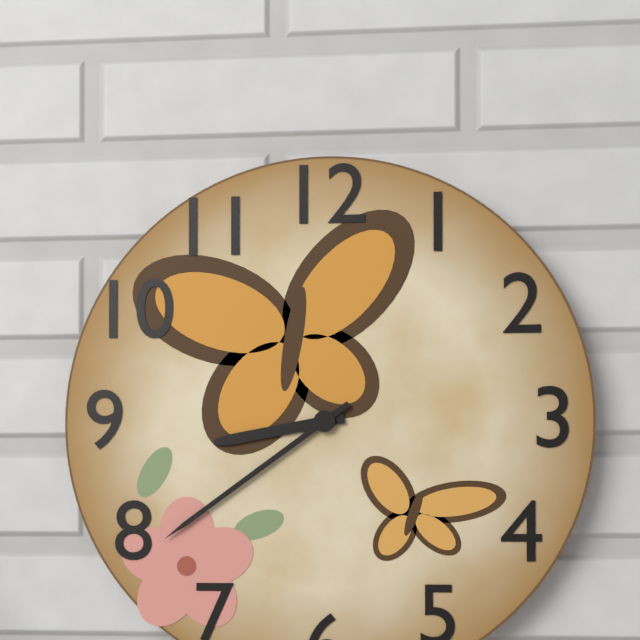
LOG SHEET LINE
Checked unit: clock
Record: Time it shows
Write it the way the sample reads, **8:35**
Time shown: **8:39**
